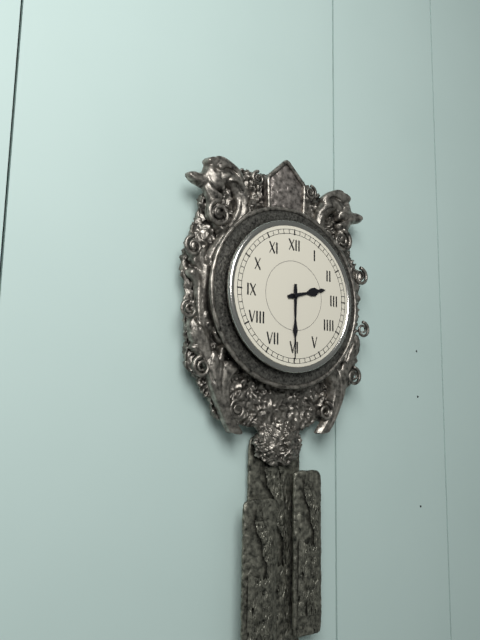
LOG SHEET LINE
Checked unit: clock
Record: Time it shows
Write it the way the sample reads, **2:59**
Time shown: **2:30**
